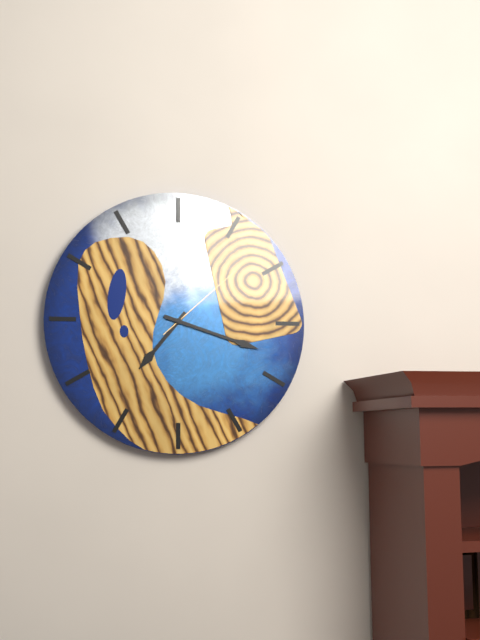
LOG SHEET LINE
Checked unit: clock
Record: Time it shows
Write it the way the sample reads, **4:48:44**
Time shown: **7:18:08**
